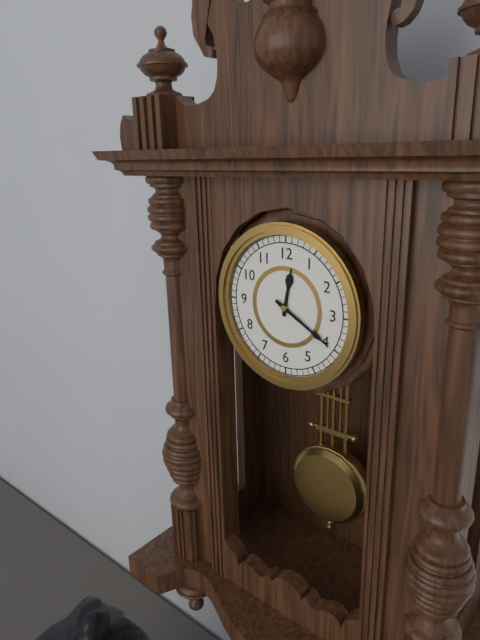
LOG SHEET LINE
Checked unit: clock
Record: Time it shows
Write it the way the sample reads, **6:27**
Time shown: **12:20**
